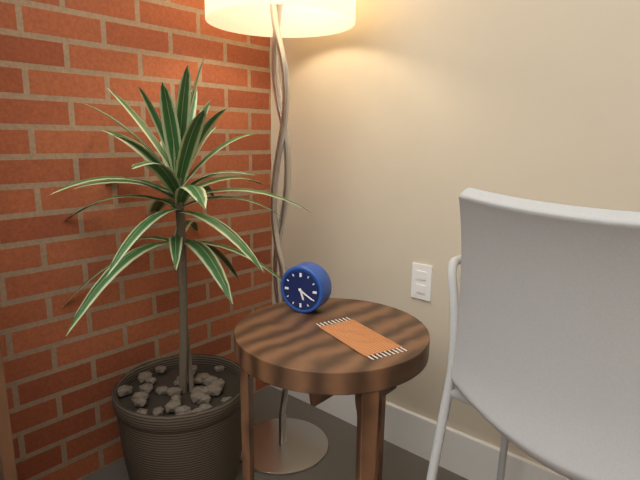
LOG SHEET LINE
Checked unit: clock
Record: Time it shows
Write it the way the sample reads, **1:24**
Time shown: **5:20**
